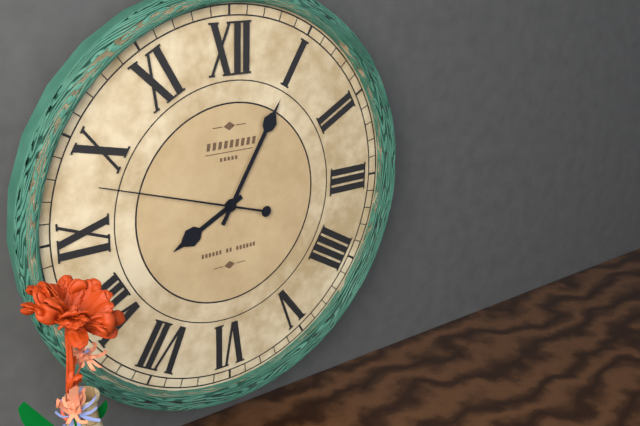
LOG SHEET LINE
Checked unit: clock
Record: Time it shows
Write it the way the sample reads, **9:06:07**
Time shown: **8:05:48**
